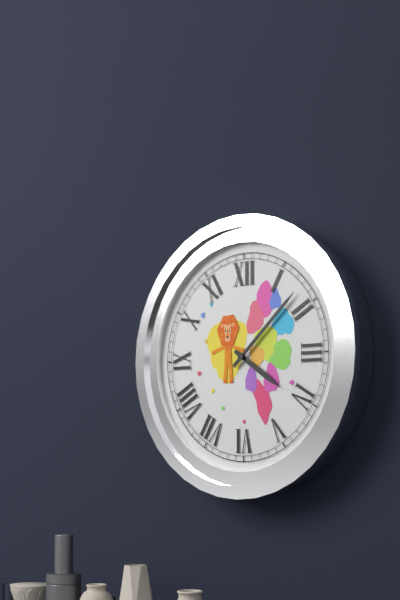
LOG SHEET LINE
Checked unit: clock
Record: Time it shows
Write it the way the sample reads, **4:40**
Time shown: **4:08**
